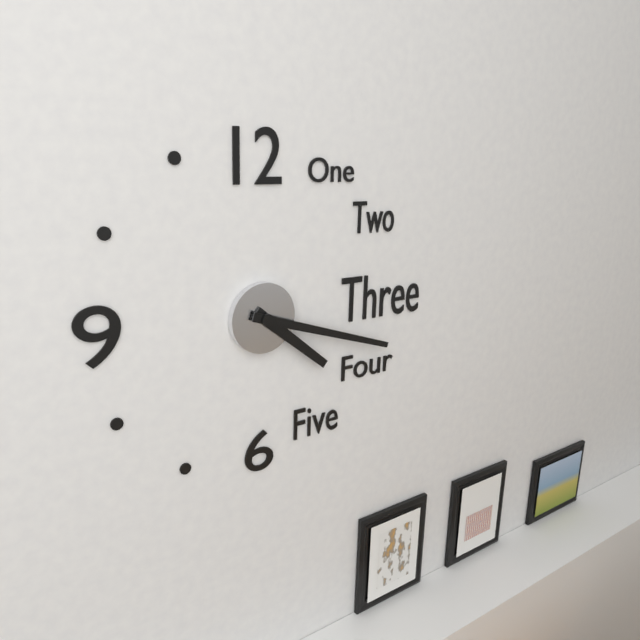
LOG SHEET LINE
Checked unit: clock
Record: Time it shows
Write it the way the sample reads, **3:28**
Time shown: **4:18**
